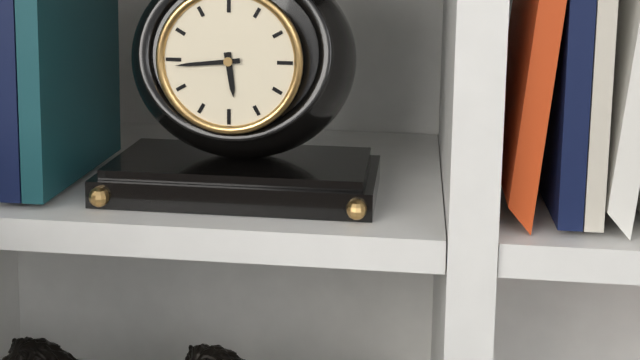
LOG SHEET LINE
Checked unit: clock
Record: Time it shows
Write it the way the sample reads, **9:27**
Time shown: **5:44**
